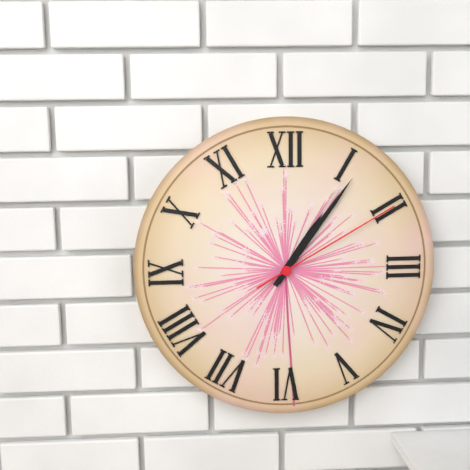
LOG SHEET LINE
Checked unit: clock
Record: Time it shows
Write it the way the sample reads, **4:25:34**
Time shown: **1:06:10**
